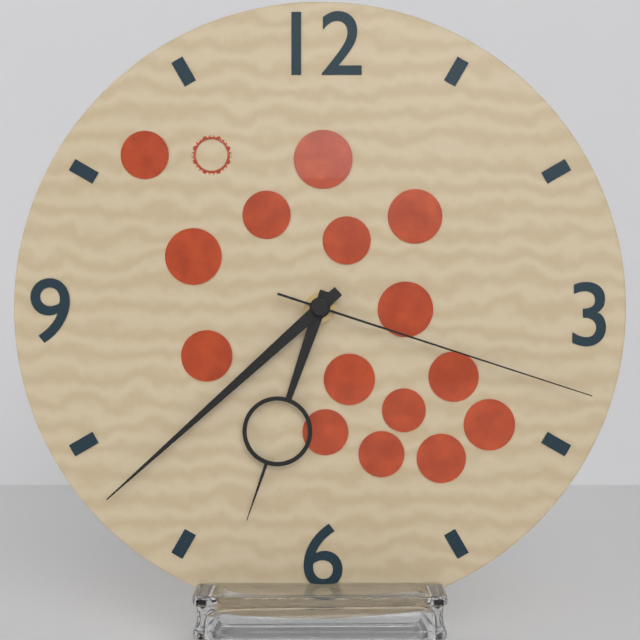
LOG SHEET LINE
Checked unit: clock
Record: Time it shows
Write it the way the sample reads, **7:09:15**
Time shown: **6:38:18**
